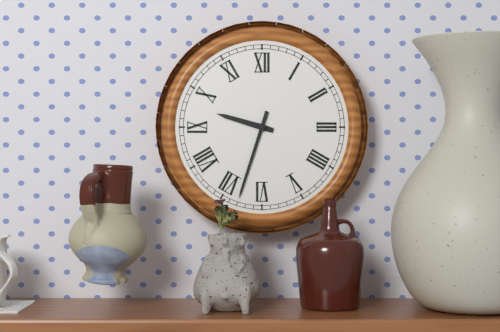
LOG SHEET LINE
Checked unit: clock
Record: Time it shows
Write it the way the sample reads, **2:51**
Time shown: **9:33**
